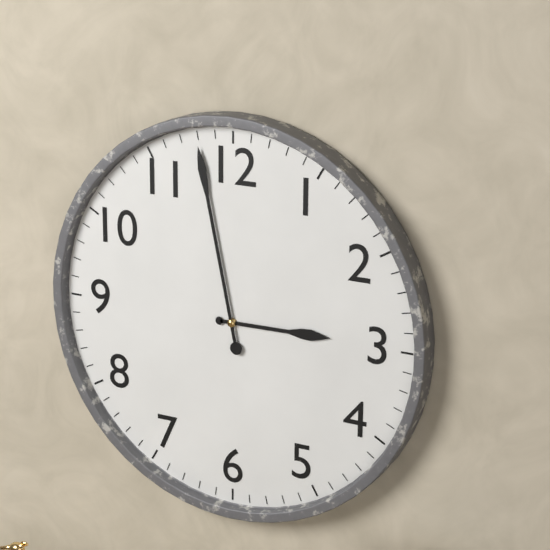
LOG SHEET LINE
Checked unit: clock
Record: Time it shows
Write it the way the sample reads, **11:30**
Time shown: **2:58**
